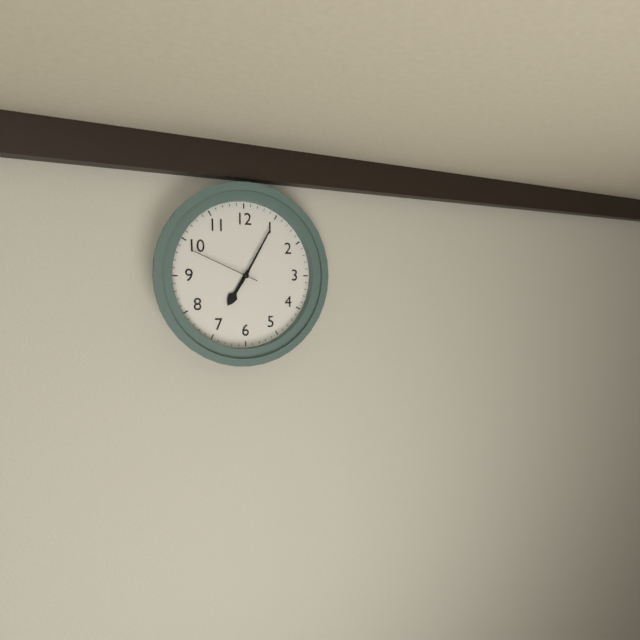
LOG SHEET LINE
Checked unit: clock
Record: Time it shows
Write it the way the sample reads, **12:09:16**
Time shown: **7:05:49**
